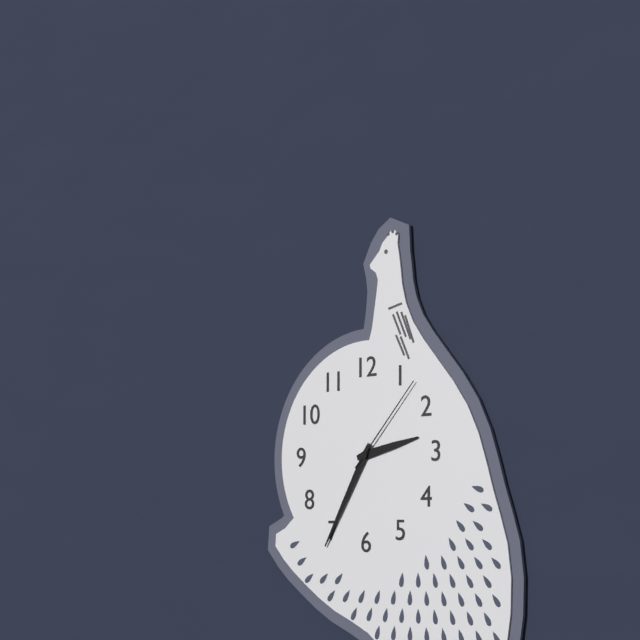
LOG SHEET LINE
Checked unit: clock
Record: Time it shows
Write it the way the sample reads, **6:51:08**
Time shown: **2:35:07**
